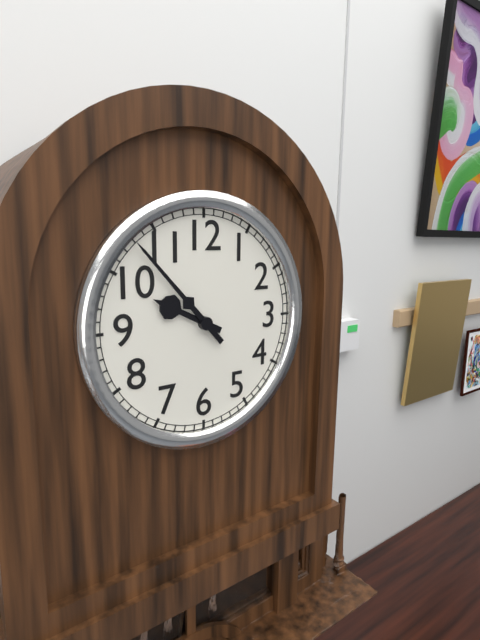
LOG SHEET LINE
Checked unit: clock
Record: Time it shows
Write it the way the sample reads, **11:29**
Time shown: **9:53**
